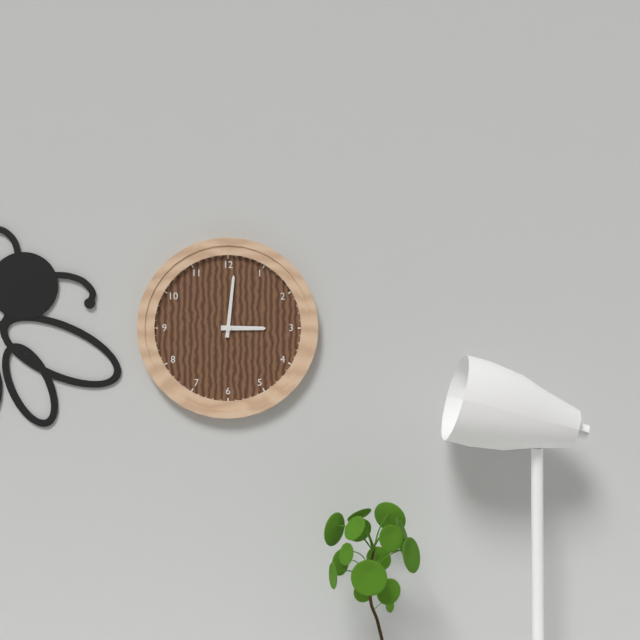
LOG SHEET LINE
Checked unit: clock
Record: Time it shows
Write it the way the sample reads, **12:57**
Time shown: **3:01**
